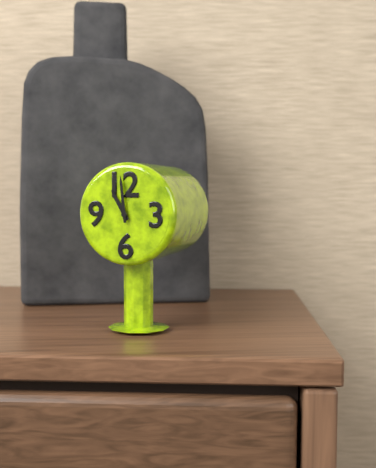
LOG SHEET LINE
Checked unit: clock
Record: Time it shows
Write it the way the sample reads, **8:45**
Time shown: **10:59**
